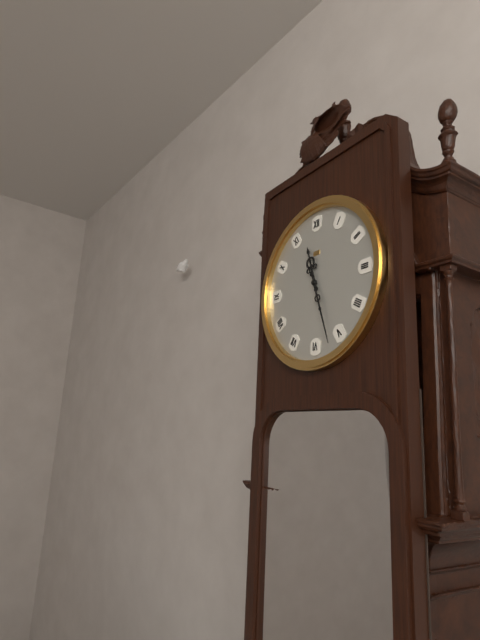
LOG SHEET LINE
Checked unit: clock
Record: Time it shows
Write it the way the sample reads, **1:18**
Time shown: **11:27**
